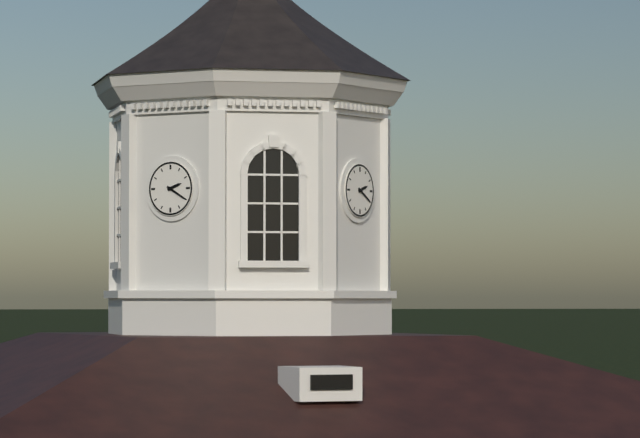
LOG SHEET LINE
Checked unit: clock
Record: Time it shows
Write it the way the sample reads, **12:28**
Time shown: **2:20**
